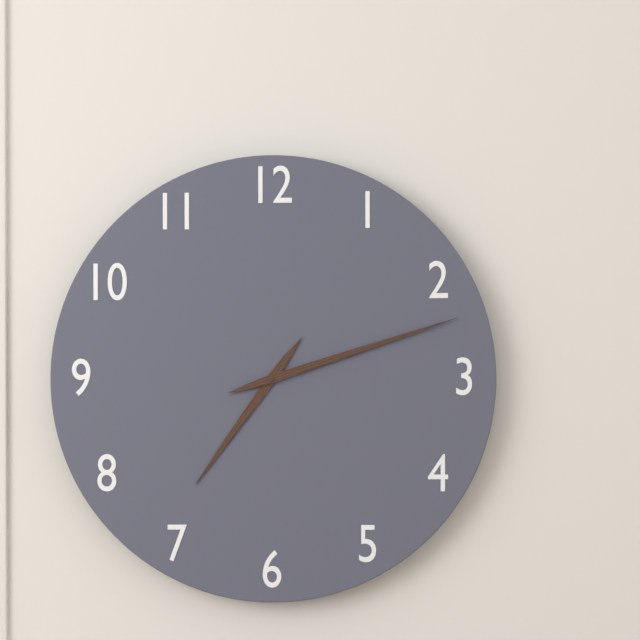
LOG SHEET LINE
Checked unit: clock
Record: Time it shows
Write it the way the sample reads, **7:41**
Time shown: **7:12**
